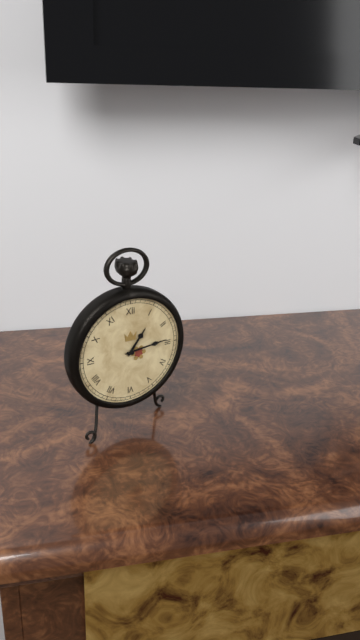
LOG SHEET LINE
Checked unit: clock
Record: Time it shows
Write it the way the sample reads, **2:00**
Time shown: **1:14**
